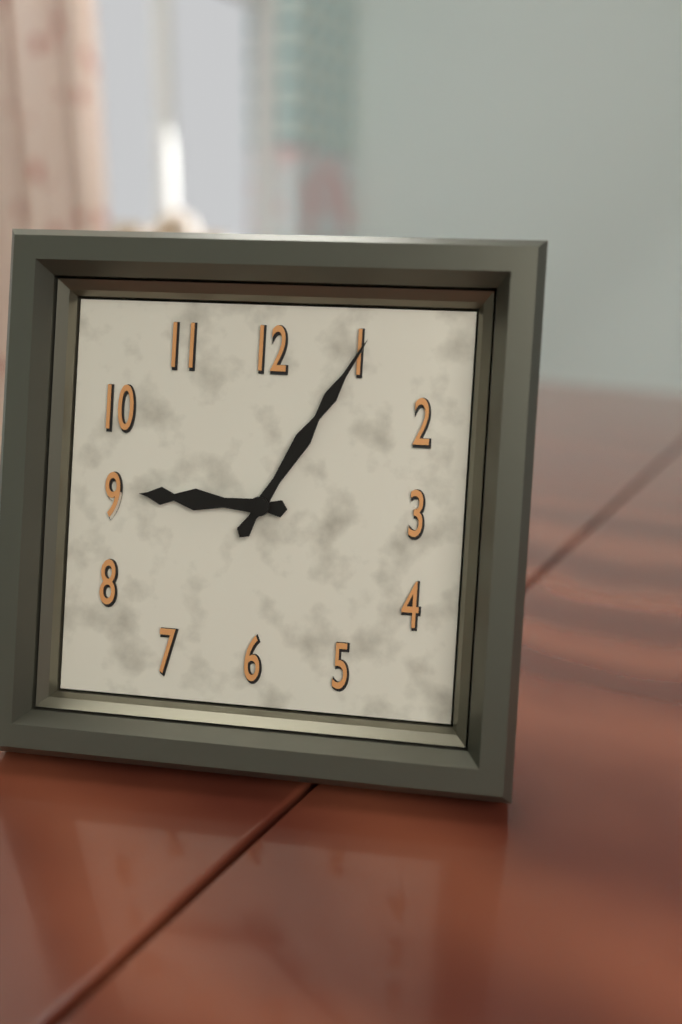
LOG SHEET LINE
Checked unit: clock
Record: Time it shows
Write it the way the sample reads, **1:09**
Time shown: **9:05**
